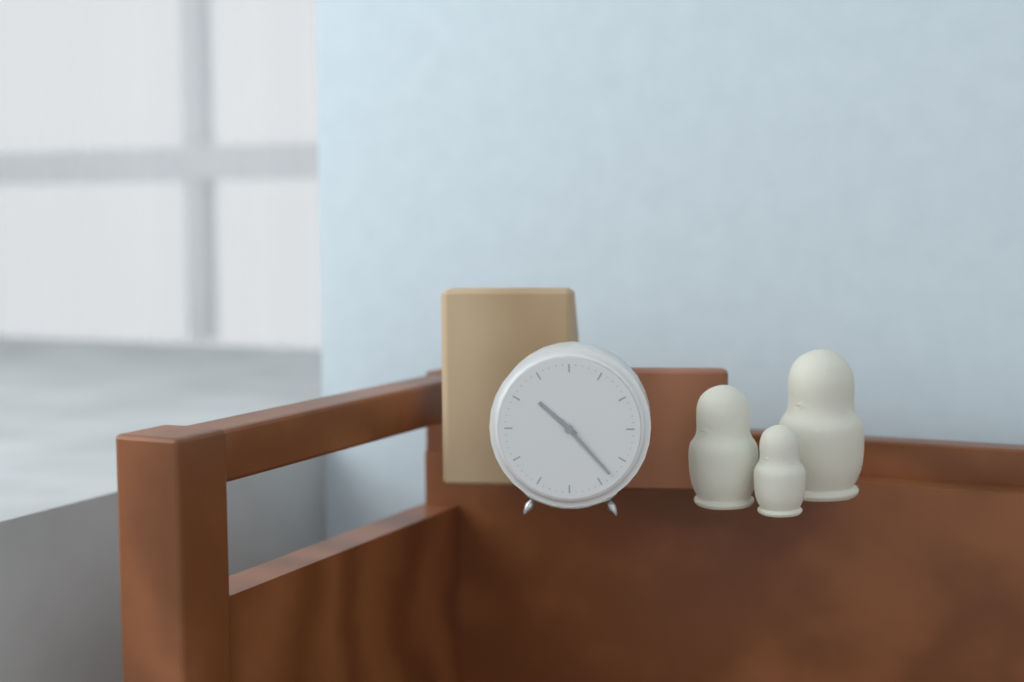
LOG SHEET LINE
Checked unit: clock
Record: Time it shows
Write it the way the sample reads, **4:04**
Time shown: **10:23**
